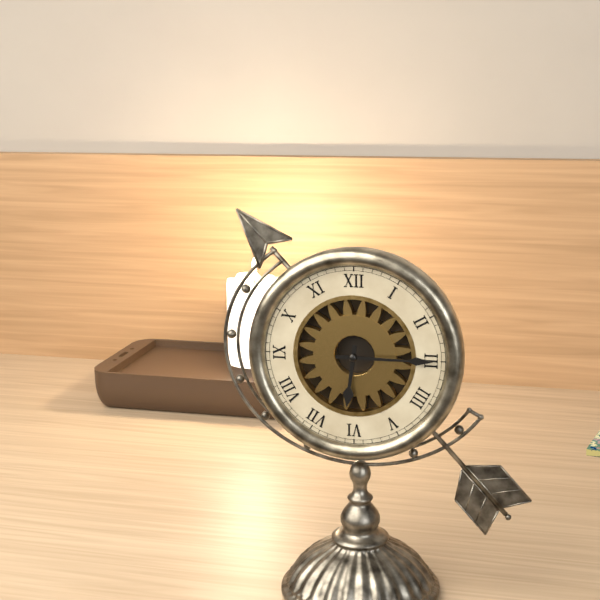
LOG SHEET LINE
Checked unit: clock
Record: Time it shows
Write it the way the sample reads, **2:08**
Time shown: **6:15**
